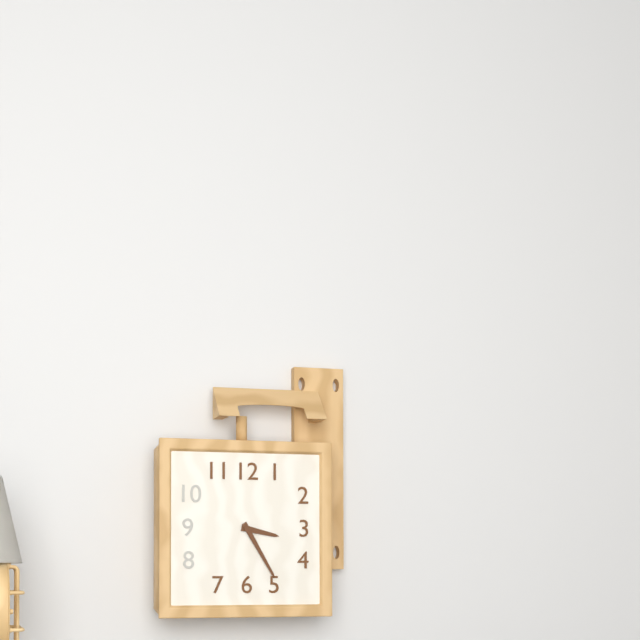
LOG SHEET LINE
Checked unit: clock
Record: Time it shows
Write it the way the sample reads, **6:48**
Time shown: **3:25**
